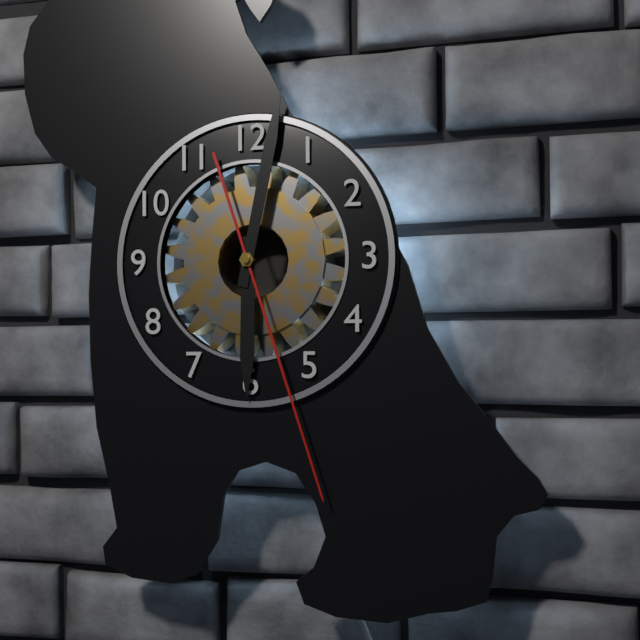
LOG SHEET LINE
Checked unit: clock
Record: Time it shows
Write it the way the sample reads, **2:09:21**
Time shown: **6:02:27**
